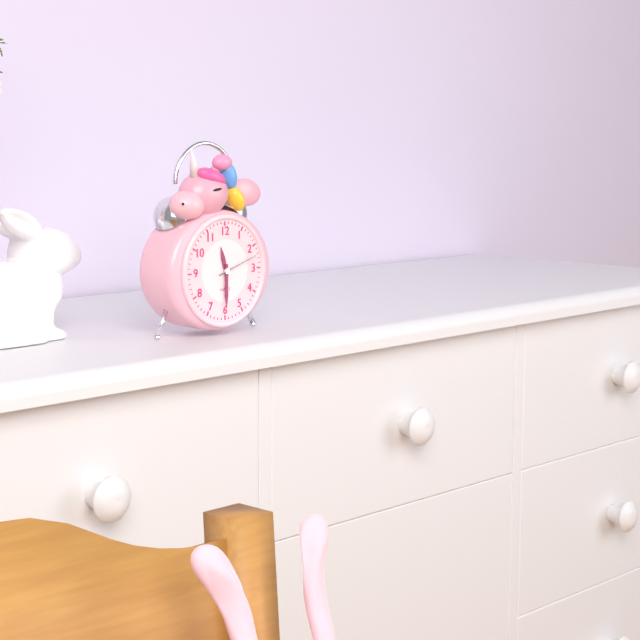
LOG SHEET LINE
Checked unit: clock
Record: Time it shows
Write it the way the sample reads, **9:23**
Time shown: **11:30**
